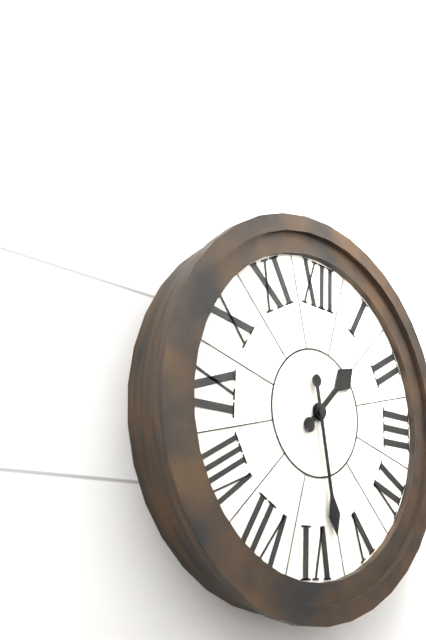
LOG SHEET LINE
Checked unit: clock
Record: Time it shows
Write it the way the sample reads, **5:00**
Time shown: **1:28**
